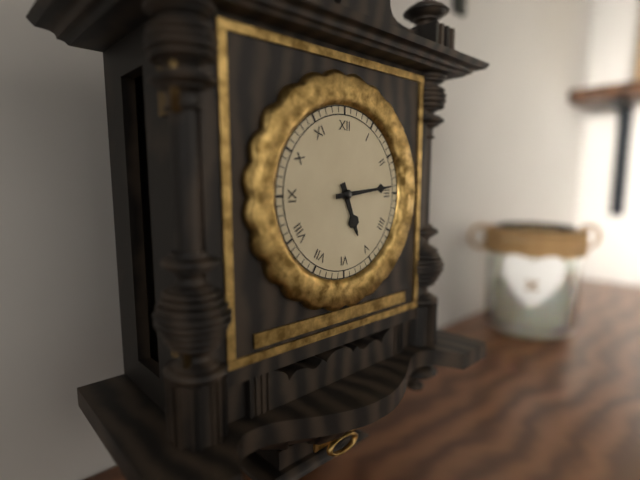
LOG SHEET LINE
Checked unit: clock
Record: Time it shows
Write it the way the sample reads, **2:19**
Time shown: **5:14**
